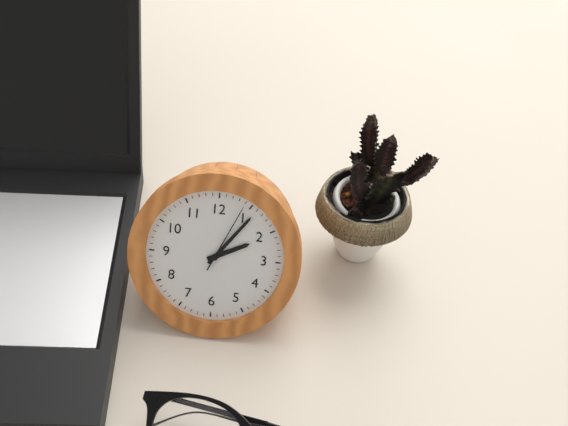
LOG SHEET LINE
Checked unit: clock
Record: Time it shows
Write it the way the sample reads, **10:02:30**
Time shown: **2:06:04**
